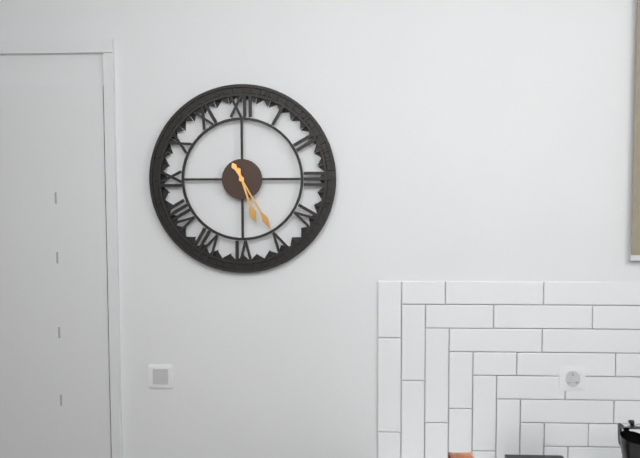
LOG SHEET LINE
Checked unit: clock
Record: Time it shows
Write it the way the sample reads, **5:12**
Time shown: **5:25**
